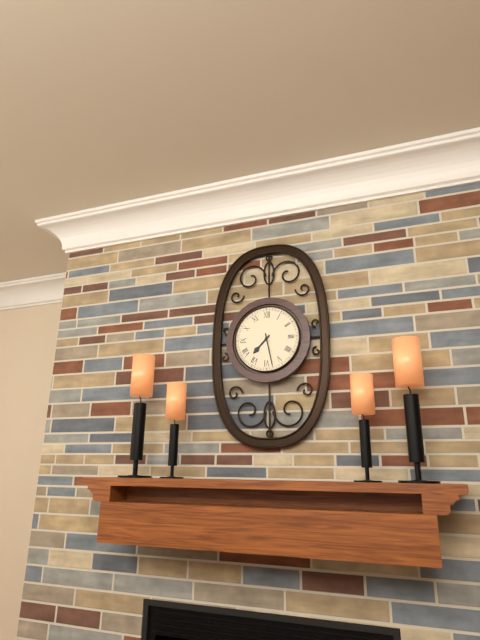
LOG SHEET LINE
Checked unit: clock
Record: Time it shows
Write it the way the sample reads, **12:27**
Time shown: **7:28**
